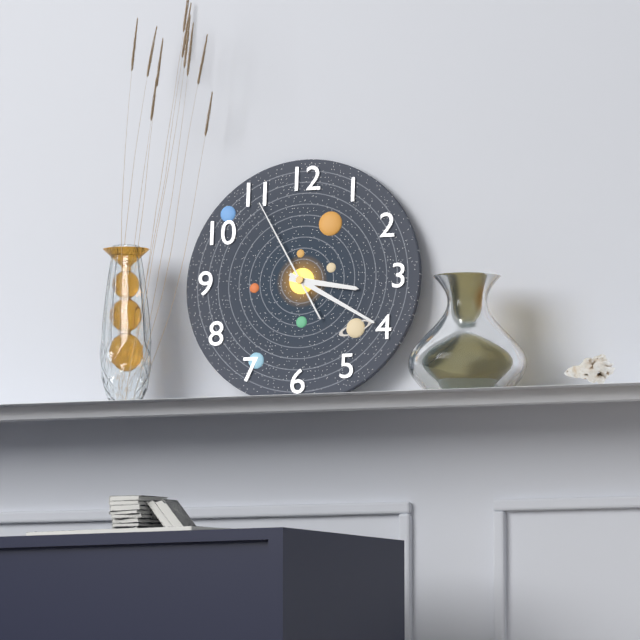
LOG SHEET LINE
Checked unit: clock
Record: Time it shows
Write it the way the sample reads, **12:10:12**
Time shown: **3:20:55**
